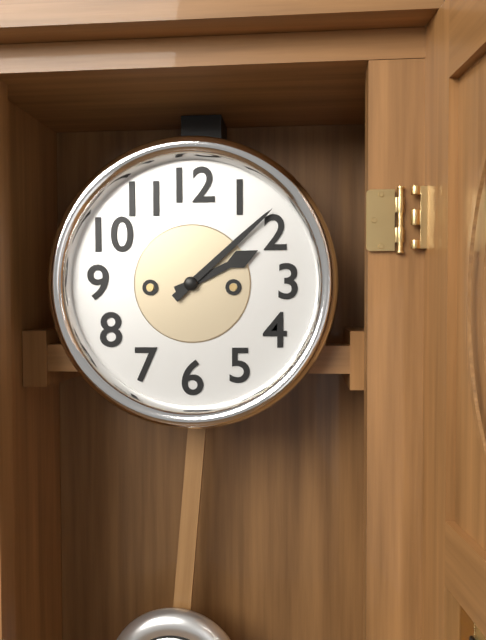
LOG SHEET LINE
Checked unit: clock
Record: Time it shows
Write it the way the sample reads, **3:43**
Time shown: **2:08**
